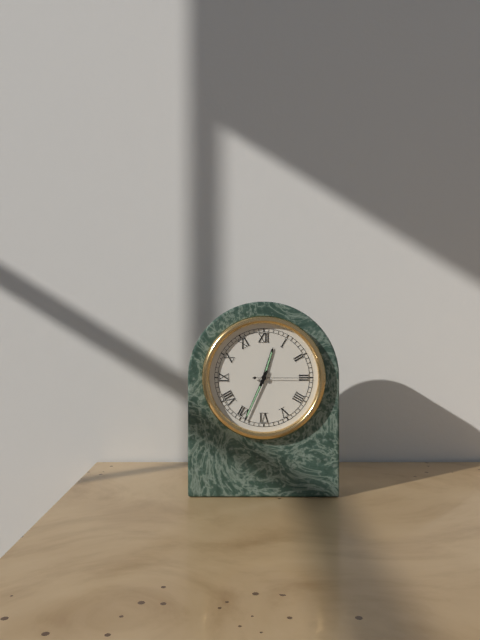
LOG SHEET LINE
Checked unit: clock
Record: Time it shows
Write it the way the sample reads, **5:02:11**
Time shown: **12:34:15**
